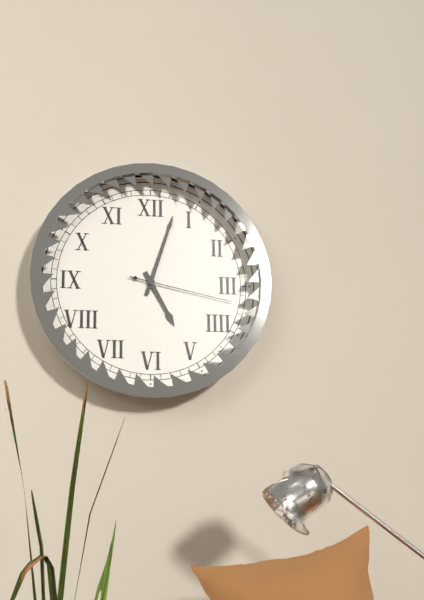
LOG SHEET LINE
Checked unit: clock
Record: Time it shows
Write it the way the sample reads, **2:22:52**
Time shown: **5:03:17**
